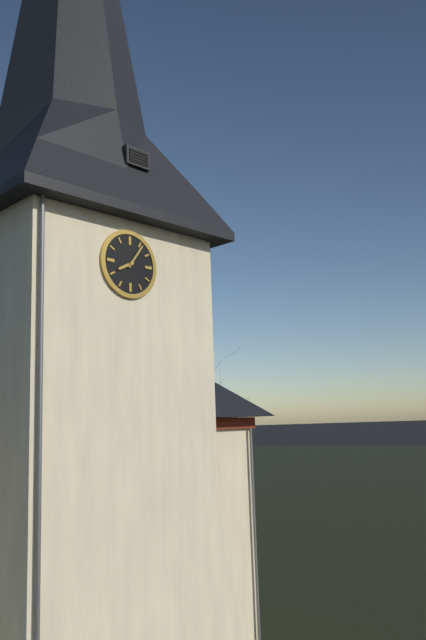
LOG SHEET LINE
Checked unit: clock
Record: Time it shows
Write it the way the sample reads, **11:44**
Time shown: **8:06**
